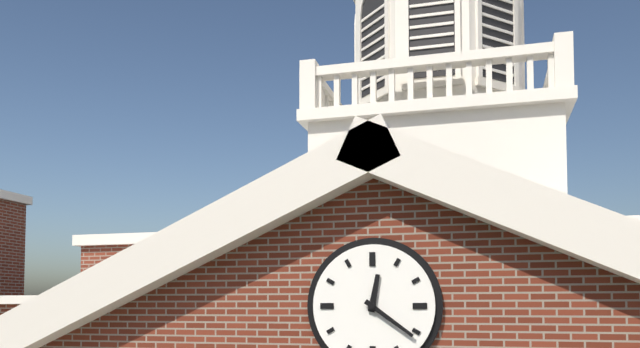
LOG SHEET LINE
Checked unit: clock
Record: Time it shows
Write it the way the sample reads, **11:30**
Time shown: **12:21**
